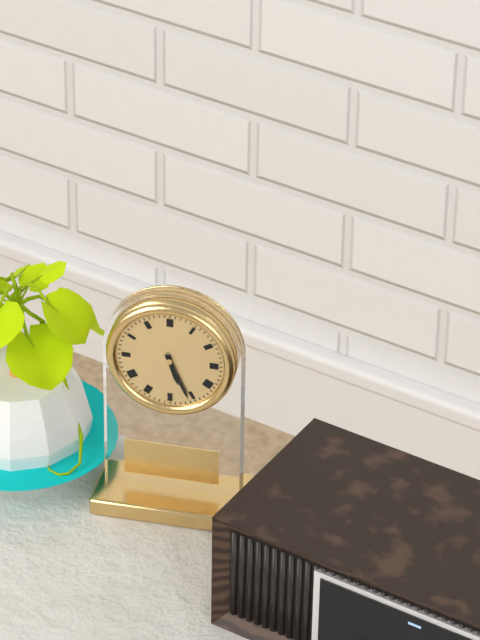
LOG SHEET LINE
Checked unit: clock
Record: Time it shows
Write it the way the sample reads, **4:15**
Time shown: **5:26**
